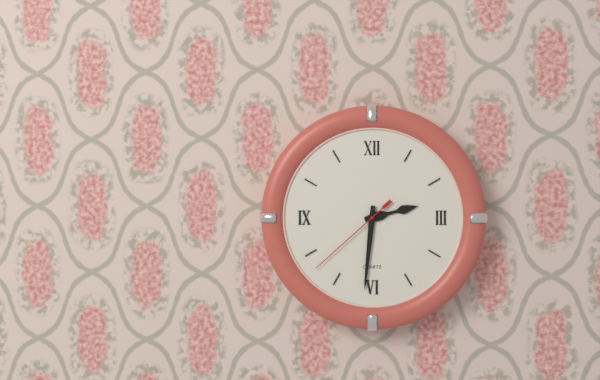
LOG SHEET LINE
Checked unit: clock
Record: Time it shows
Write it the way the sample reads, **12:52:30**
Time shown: **2:31:38**
